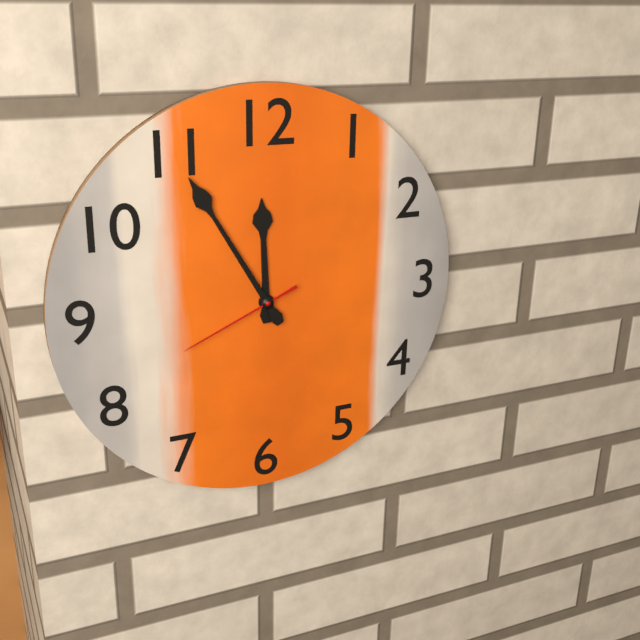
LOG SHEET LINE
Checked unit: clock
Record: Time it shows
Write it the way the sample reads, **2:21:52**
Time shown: **11:55:41**
